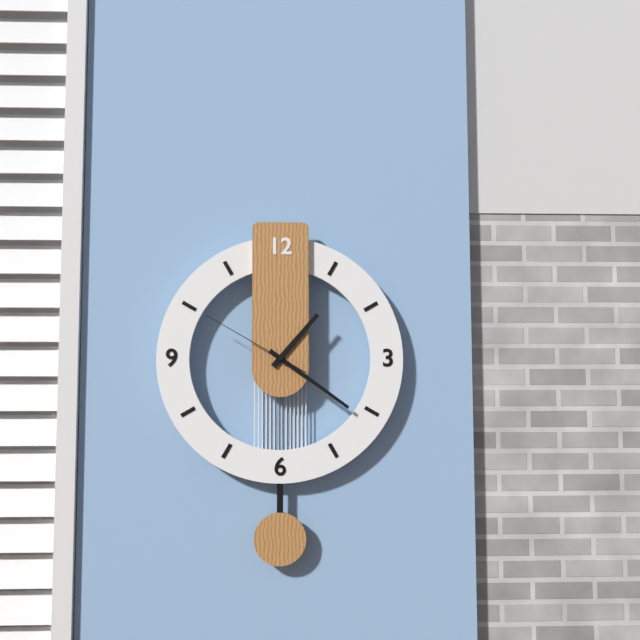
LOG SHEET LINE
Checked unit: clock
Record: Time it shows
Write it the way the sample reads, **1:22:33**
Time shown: **1:21:50**
